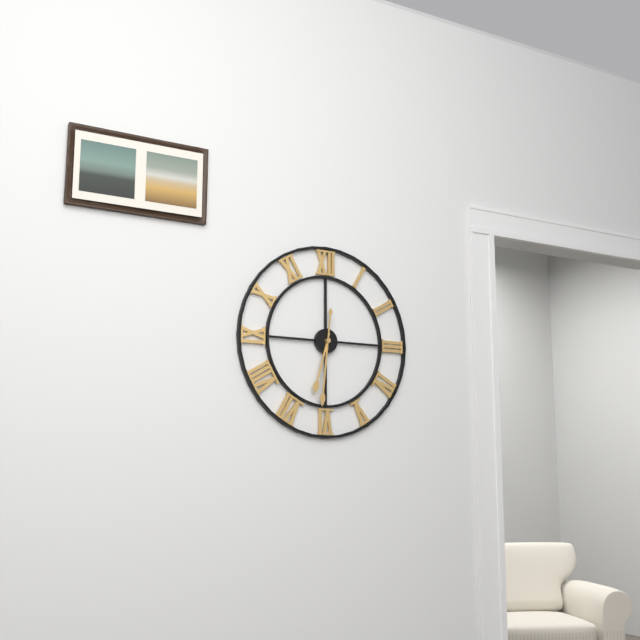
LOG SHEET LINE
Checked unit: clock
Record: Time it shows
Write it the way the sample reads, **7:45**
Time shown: **6:31**
